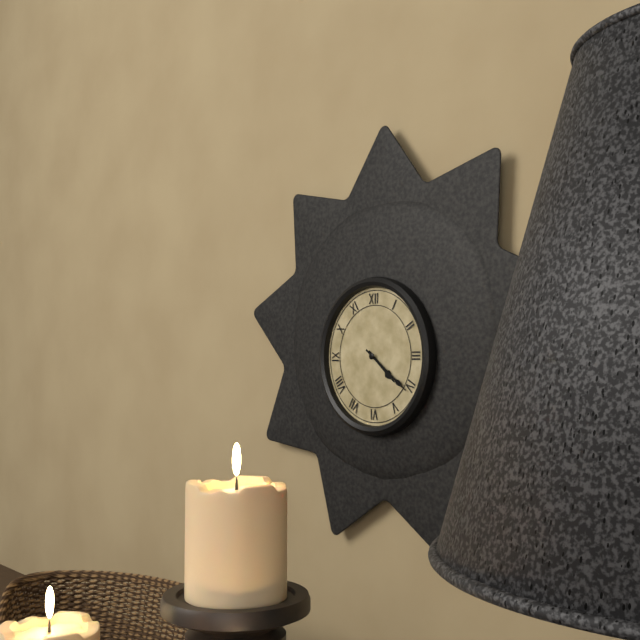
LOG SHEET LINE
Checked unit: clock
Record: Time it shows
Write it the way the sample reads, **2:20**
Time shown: **4:21**
